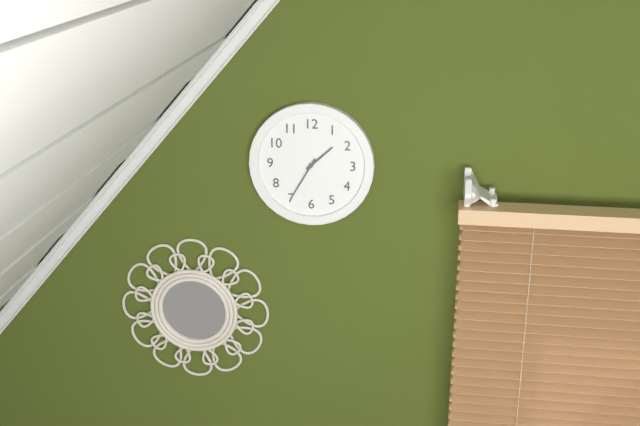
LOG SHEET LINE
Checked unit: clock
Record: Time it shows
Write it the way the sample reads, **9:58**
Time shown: **1:35**
